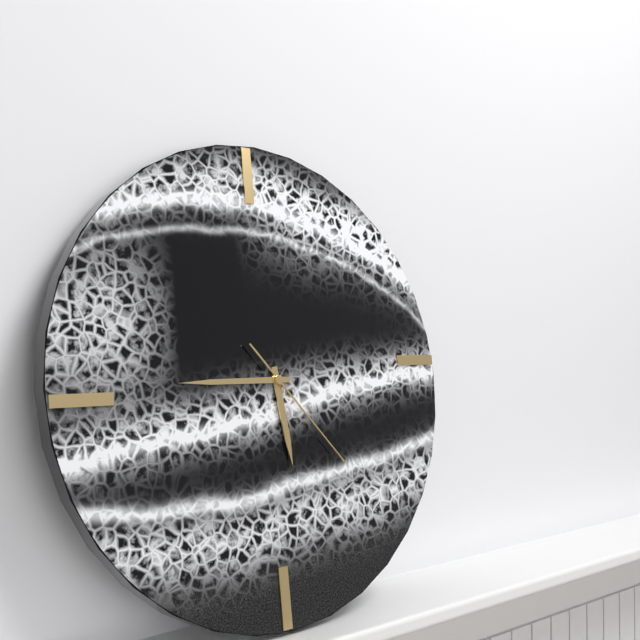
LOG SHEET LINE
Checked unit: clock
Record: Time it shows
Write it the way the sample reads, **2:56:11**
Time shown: **5:45:23**
